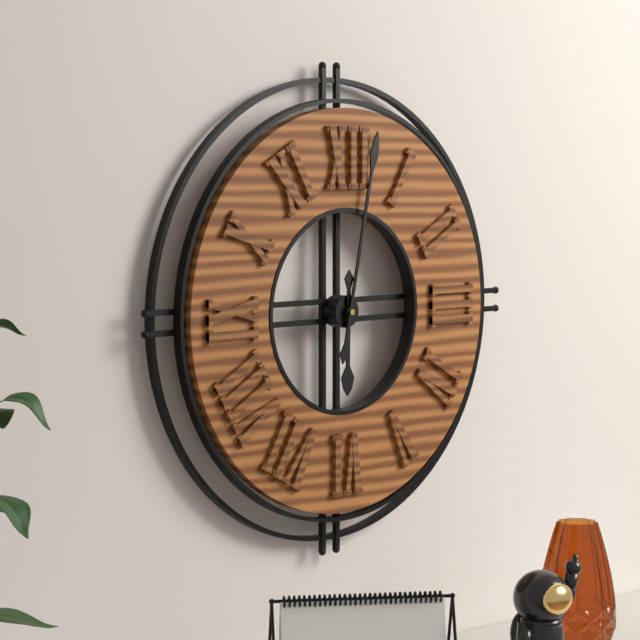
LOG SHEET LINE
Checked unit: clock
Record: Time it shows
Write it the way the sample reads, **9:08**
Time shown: **6:02**
